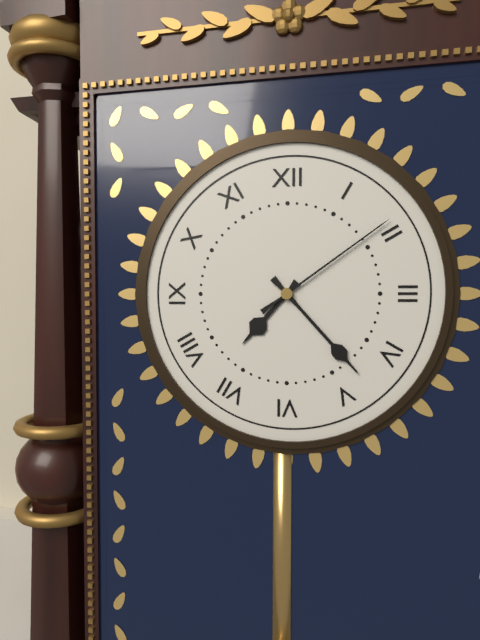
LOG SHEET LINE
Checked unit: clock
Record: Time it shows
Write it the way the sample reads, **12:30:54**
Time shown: **7:23:09**
